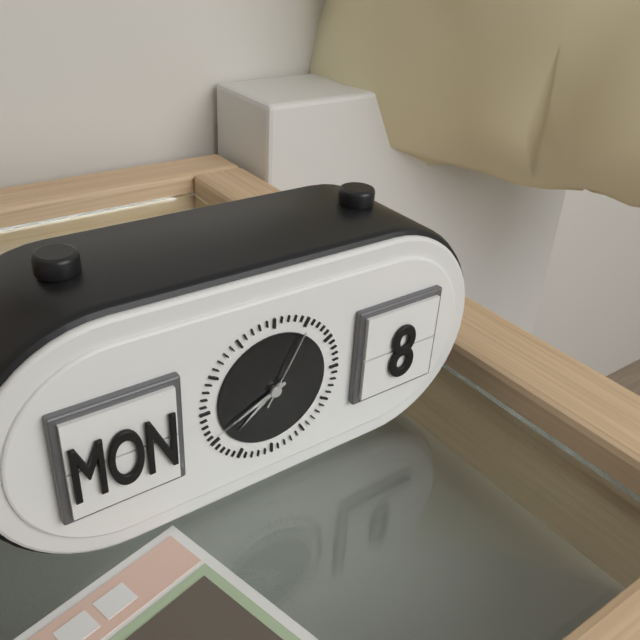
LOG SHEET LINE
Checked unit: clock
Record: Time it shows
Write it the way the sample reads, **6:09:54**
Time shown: **7:41:05**
